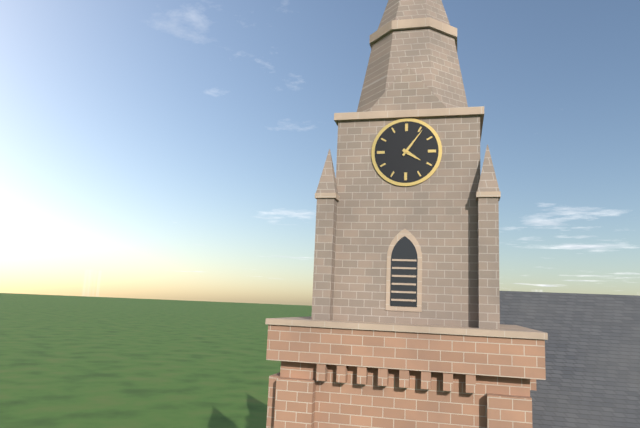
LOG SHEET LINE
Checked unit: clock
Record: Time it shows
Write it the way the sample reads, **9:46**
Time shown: **4:06**
